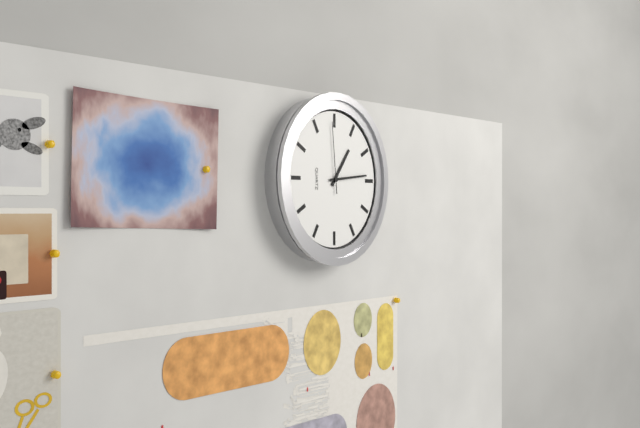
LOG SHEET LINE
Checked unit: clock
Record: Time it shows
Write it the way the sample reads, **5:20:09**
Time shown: **1:14:59**
